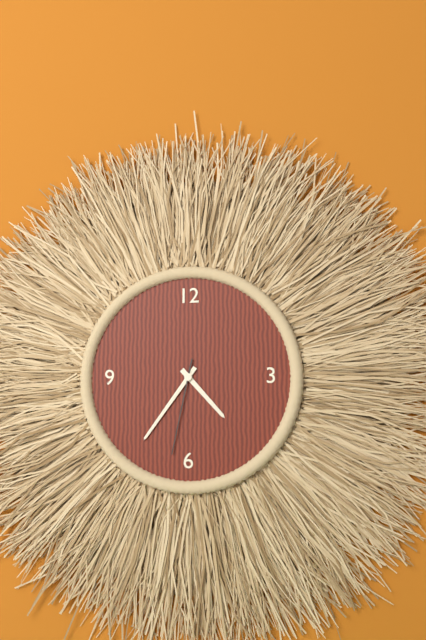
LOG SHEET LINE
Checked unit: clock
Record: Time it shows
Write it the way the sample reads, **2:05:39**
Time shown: **4:36:32**
